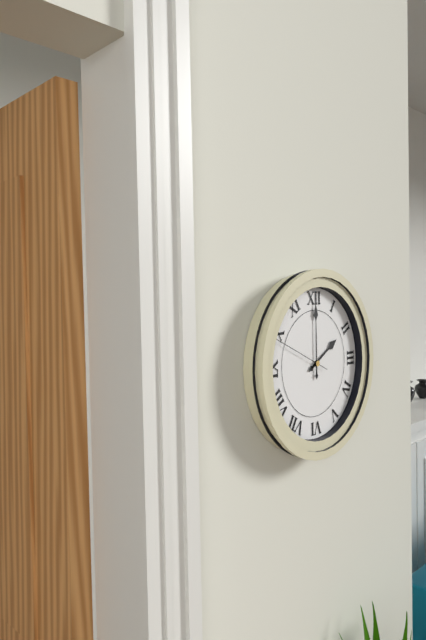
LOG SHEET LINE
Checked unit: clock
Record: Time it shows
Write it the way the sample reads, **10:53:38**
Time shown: **2:00:49**
